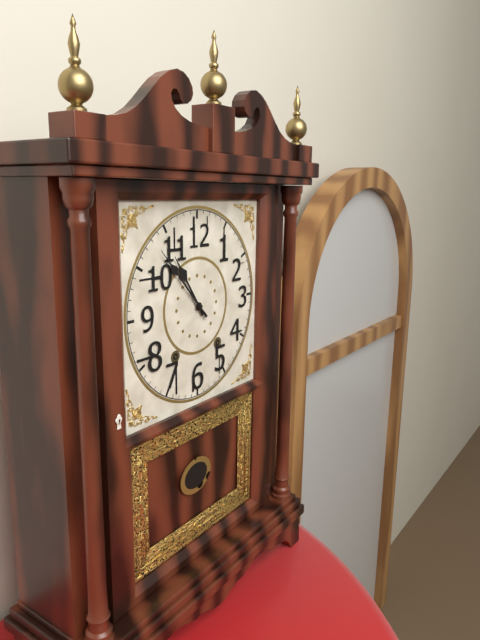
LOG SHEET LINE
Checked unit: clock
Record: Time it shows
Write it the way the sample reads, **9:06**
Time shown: **10:53**
